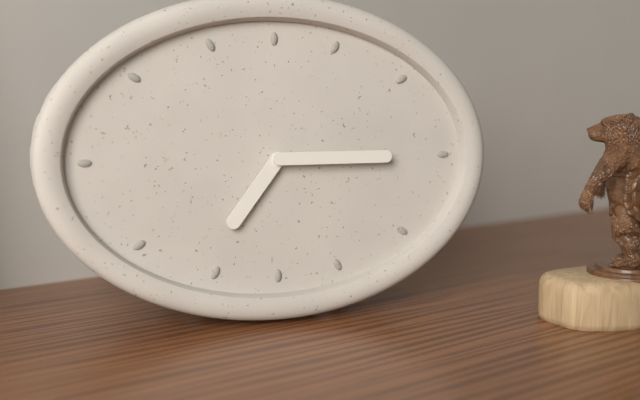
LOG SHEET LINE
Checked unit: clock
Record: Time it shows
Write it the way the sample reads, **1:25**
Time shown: **7:15**
